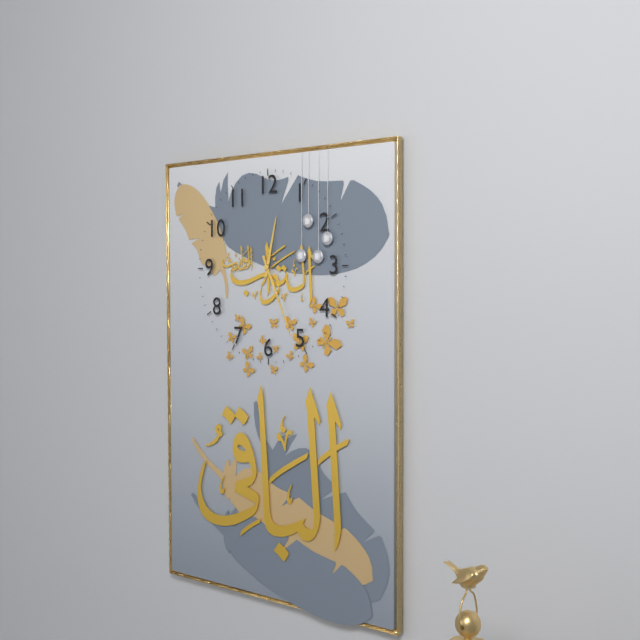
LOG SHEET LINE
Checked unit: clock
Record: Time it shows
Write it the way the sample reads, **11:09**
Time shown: **12:26**
